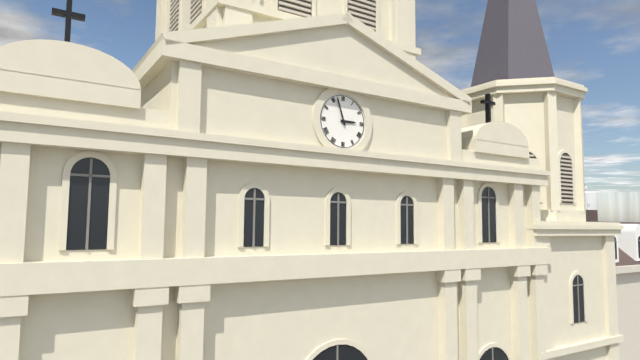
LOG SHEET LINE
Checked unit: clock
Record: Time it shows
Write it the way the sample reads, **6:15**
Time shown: **2:57**
